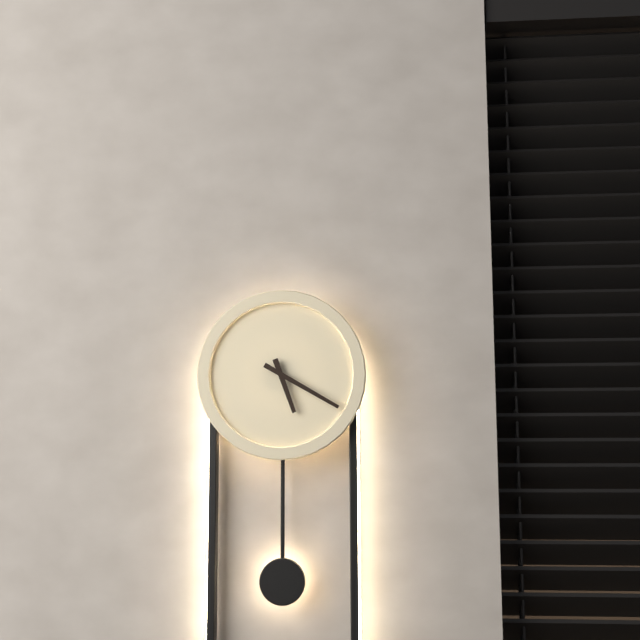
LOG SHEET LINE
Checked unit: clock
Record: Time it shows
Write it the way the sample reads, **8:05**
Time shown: **5:20**
